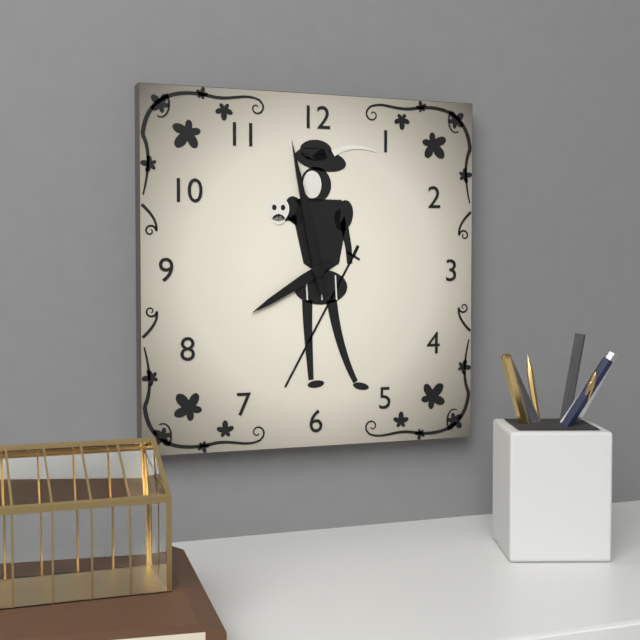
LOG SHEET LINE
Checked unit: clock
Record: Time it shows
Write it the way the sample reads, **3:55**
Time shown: **7:58**
